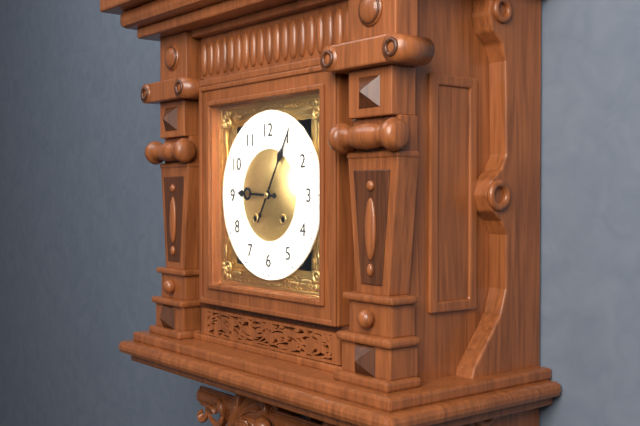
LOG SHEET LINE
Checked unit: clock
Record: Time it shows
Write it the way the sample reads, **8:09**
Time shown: **9:05**
